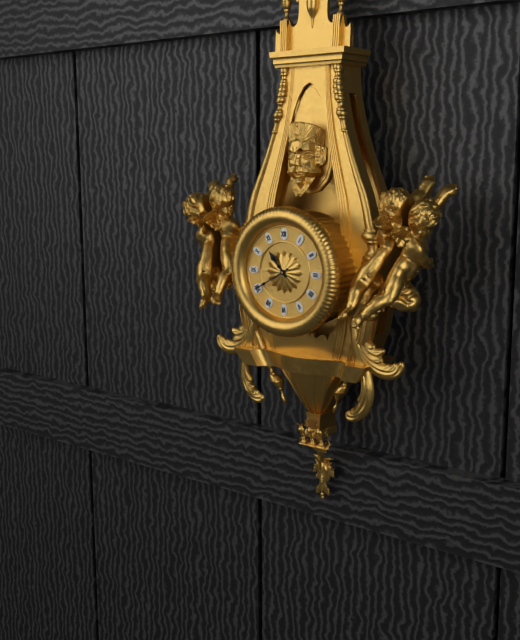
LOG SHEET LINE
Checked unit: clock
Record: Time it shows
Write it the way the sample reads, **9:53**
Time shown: **10:40**
